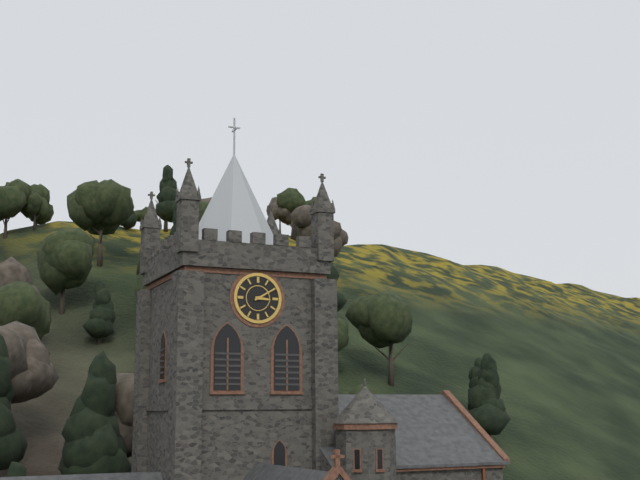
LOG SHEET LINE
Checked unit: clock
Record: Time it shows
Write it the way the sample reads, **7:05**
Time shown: **3:10**
